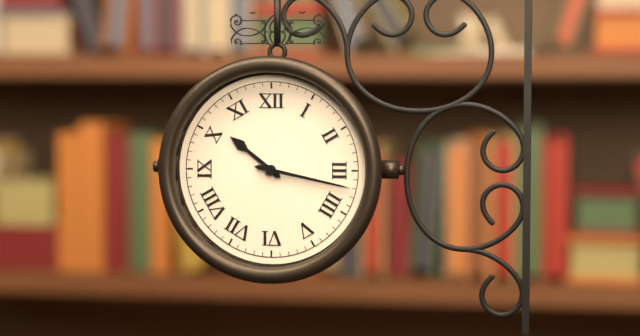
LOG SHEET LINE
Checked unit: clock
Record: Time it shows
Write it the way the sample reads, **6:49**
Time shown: **10:17**
